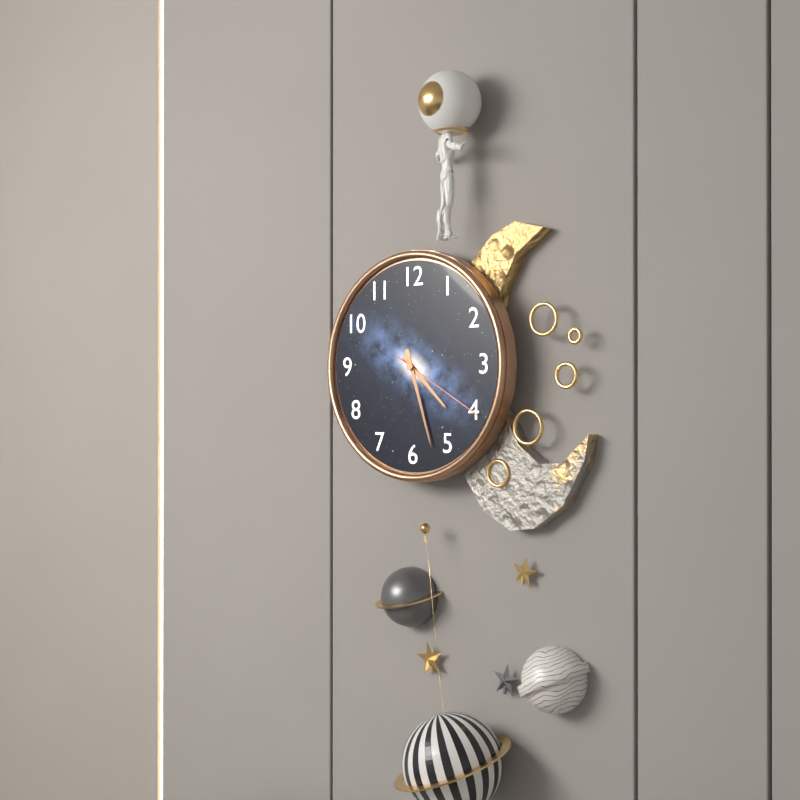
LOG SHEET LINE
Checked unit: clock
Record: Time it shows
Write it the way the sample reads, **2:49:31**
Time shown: **4:27:20**
